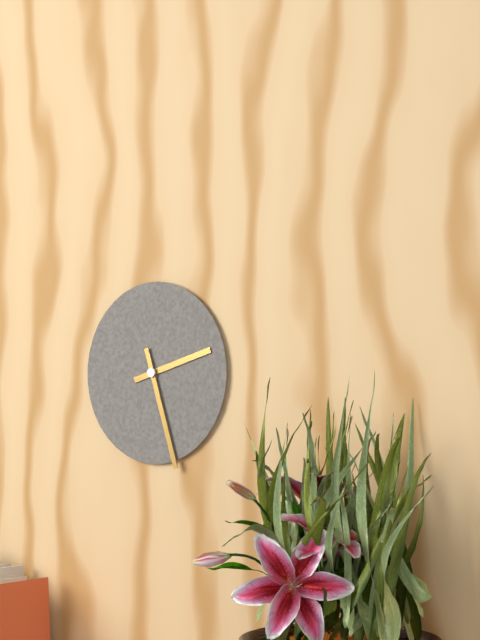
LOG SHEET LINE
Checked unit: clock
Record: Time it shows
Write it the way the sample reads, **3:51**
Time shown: **2:27**
